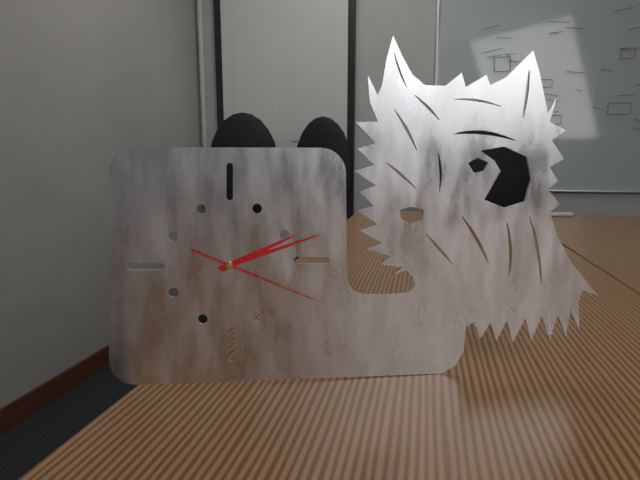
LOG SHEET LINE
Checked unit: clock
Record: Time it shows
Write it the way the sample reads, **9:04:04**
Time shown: **2:12:19**
